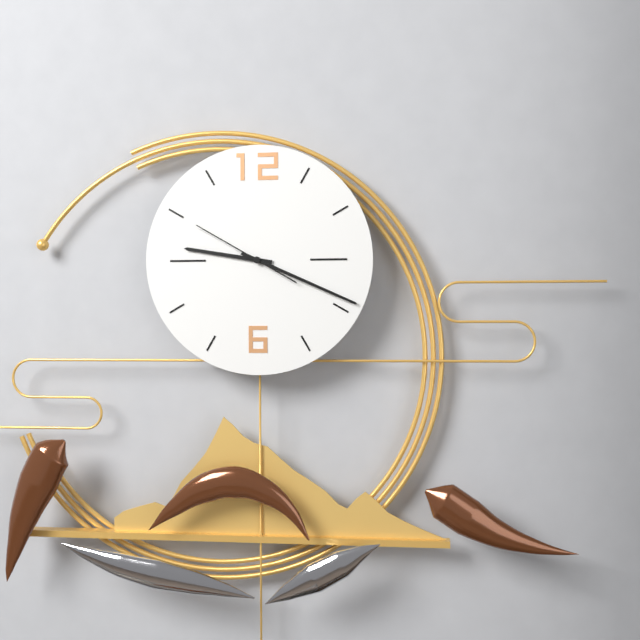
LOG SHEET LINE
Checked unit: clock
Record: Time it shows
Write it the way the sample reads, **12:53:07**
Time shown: **9:19:50**
